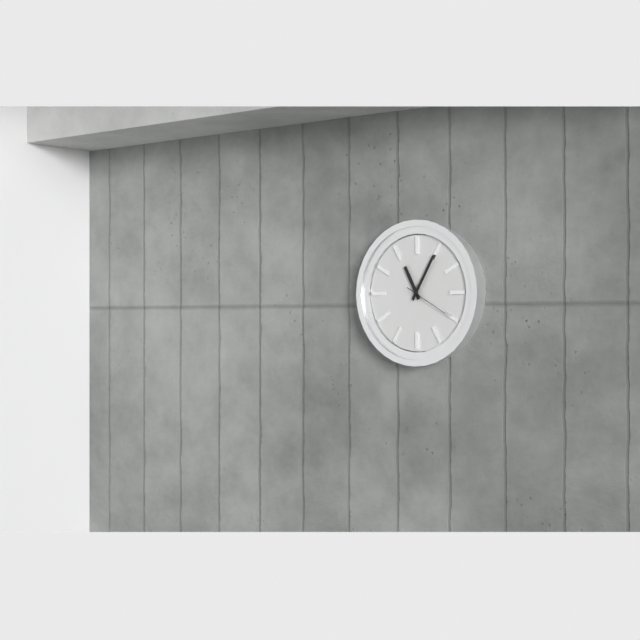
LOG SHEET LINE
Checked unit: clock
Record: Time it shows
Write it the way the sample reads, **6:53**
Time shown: **11:05**
